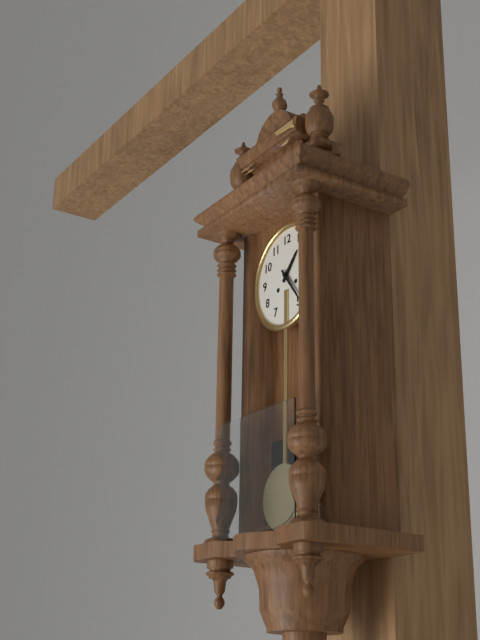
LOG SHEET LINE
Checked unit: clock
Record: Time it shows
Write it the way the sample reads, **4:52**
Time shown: **1:24**
